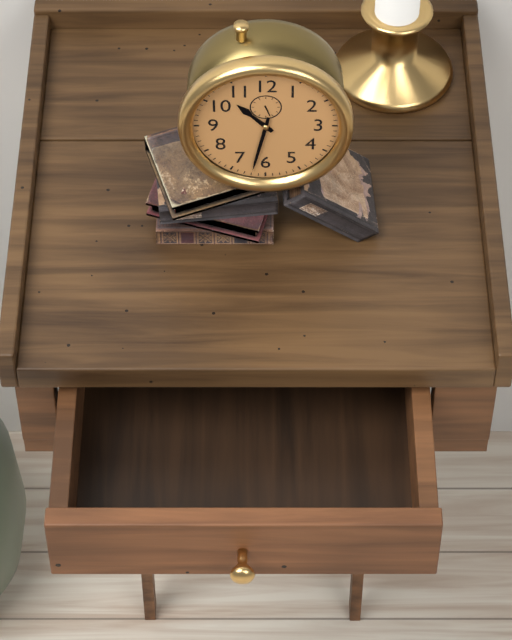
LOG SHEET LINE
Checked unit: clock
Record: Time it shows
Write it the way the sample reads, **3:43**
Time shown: **10:32**
